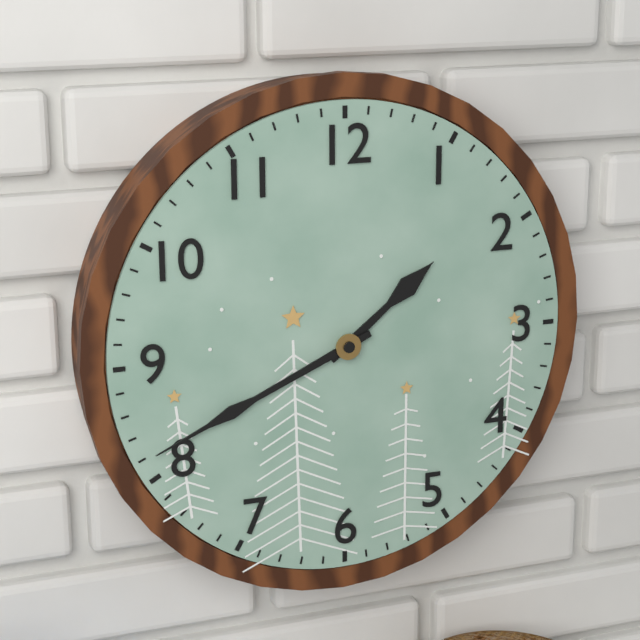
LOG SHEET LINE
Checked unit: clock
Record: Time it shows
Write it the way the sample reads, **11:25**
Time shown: **1:41**
